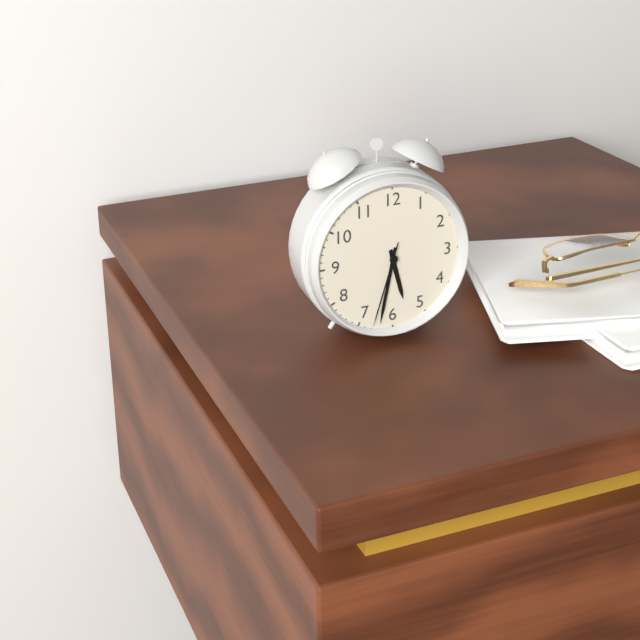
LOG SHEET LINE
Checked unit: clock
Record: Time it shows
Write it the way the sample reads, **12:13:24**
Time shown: **5:32:33**
